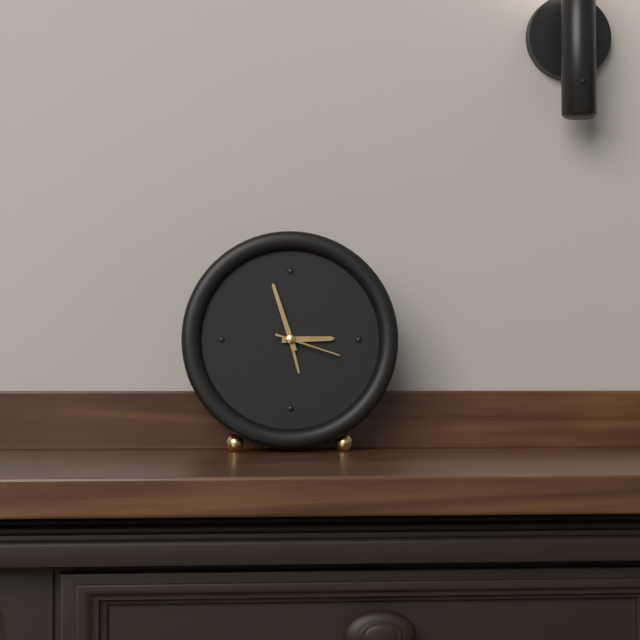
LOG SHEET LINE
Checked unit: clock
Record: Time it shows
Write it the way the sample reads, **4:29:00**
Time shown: **2:57:18**
